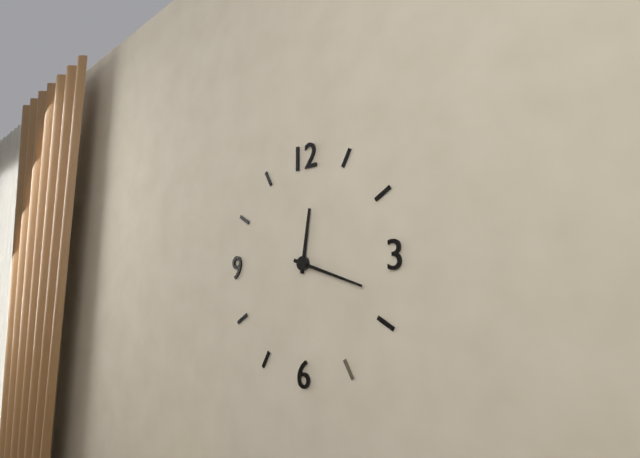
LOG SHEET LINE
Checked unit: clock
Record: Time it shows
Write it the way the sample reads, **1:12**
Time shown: **12:18**
